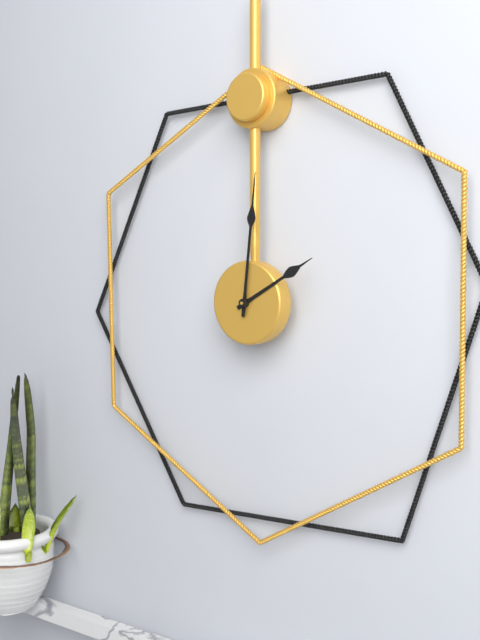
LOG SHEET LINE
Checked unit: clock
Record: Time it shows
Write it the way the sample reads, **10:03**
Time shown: **2:01**
